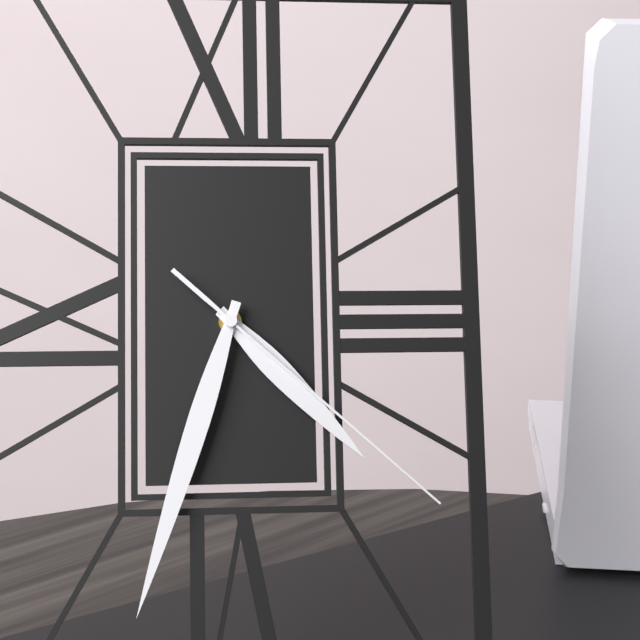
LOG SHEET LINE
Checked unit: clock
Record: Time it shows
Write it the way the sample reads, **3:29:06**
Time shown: **4:33:22**
